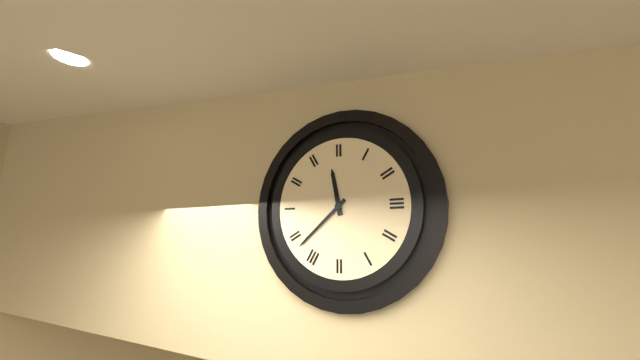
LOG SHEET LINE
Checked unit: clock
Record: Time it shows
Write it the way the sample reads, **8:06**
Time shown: **11:38**
